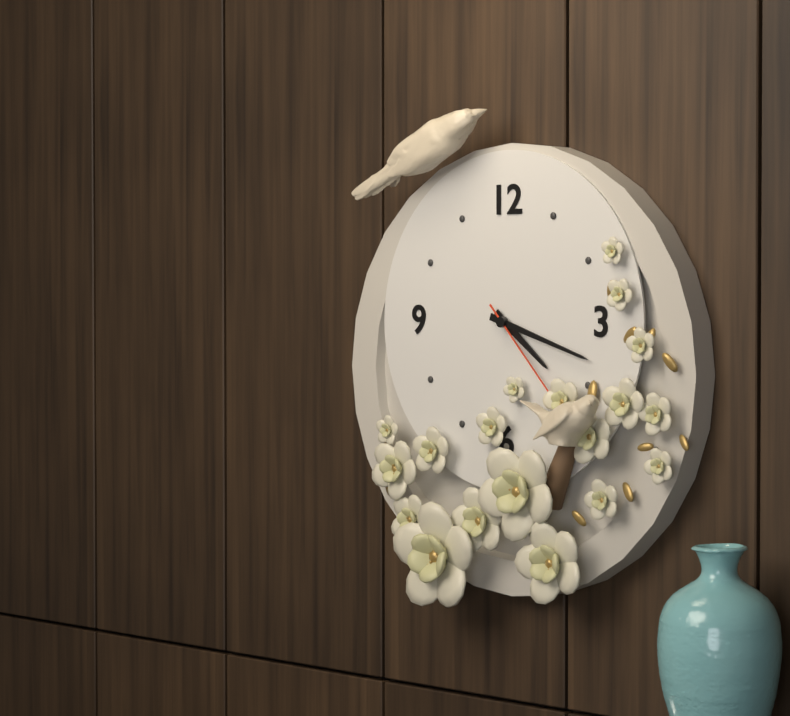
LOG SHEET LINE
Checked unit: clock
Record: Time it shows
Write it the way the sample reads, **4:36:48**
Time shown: **4:18:23**
